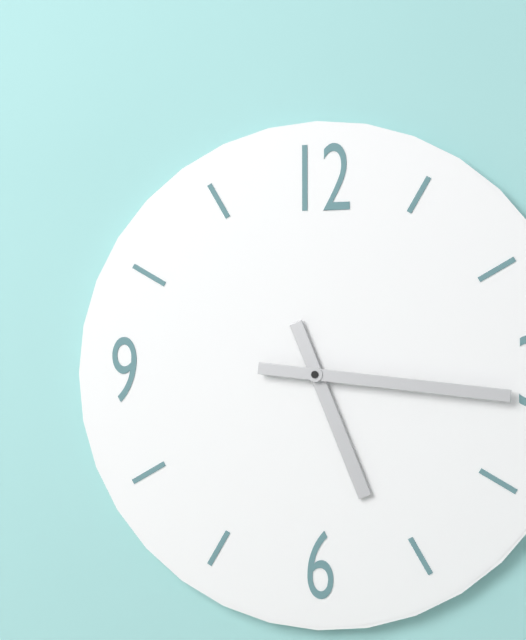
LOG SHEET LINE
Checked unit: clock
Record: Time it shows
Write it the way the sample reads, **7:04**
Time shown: **5:16**
